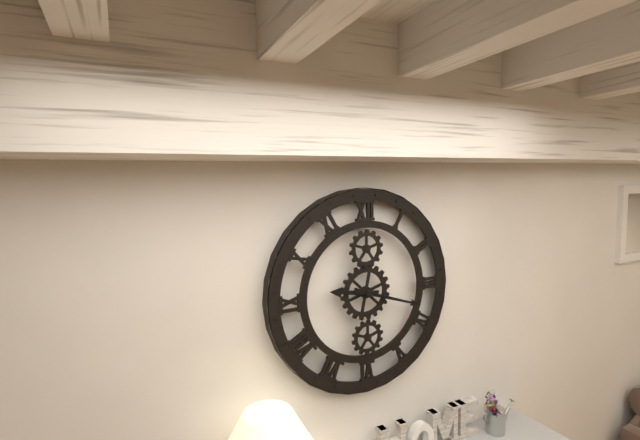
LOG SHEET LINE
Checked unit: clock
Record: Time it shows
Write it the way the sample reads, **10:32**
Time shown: **9:18**
